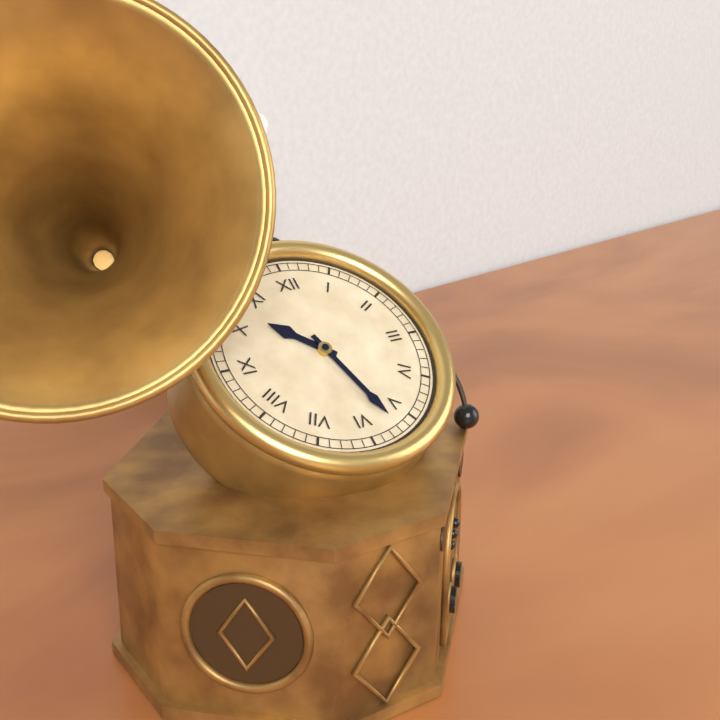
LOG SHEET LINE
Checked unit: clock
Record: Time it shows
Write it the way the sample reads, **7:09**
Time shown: **10:27**
